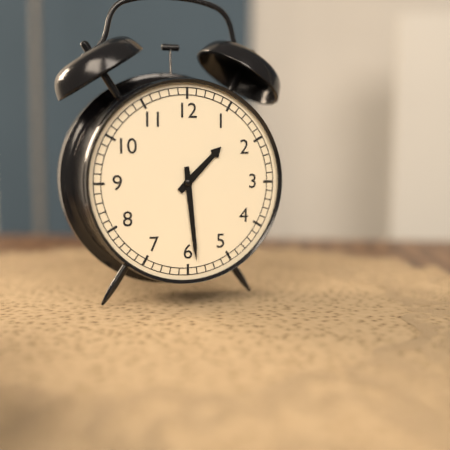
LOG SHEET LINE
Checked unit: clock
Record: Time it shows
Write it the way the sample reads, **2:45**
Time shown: **1:29**
